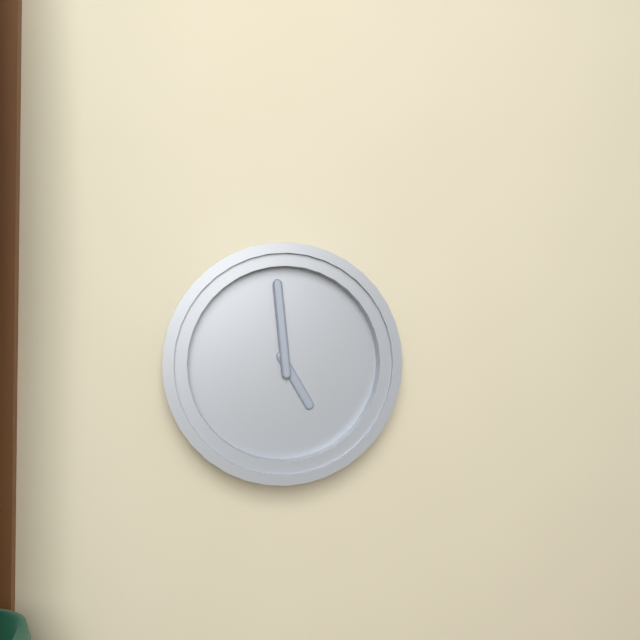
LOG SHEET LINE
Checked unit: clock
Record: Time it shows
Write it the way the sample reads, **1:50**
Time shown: **4:59**
